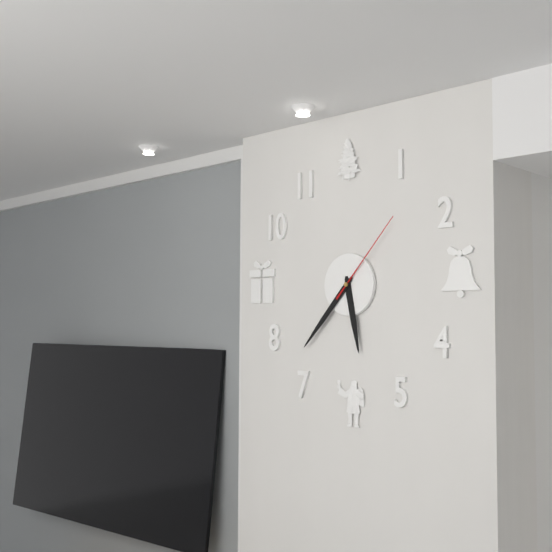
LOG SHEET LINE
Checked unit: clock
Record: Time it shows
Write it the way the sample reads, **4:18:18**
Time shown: **5:37:07**
